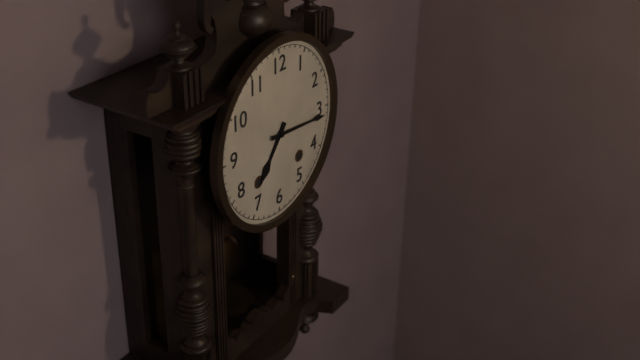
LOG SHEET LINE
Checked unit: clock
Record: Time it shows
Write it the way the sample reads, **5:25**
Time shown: **7:16**
